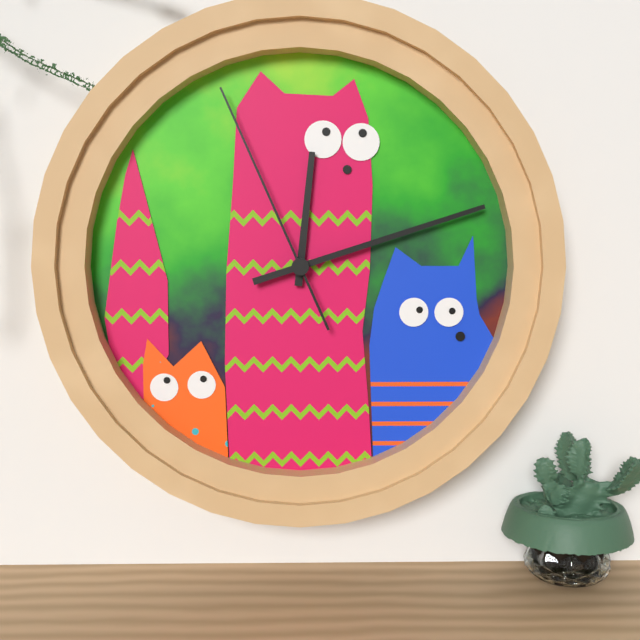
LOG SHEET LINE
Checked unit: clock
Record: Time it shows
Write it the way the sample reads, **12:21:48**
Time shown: **12:12:56**
